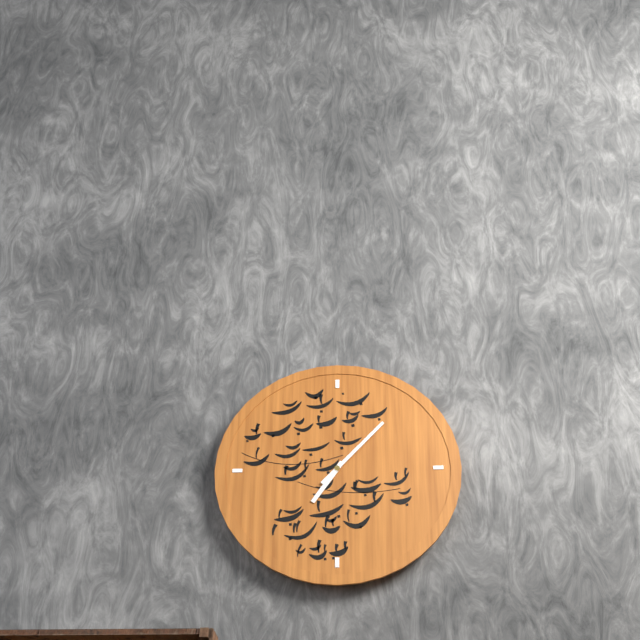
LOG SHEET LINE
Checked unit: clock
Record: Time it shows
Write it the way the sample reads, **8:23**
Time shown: **7:07**
